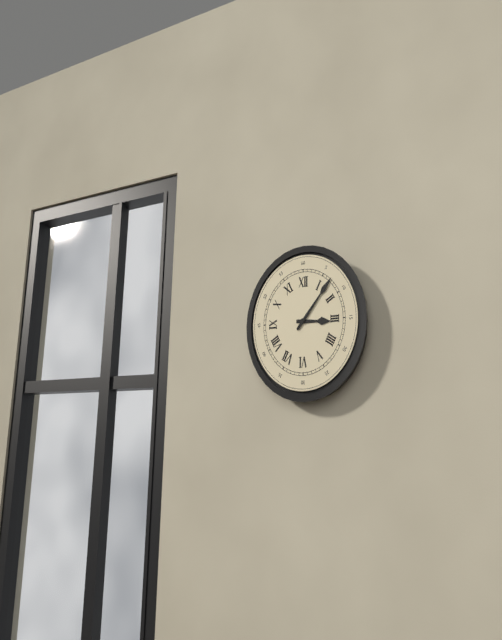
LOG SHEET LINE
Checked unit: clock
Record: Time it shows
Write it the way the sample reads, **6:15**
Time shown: **3:07**
